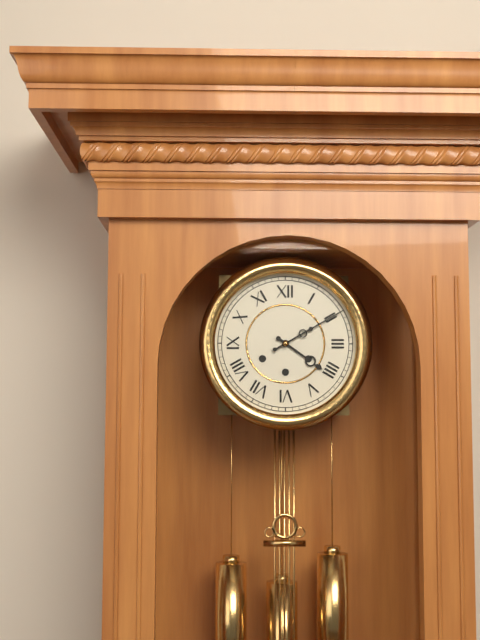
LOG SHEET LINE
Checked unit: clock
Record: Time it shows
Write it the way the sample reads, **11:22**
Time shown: **4:10**
